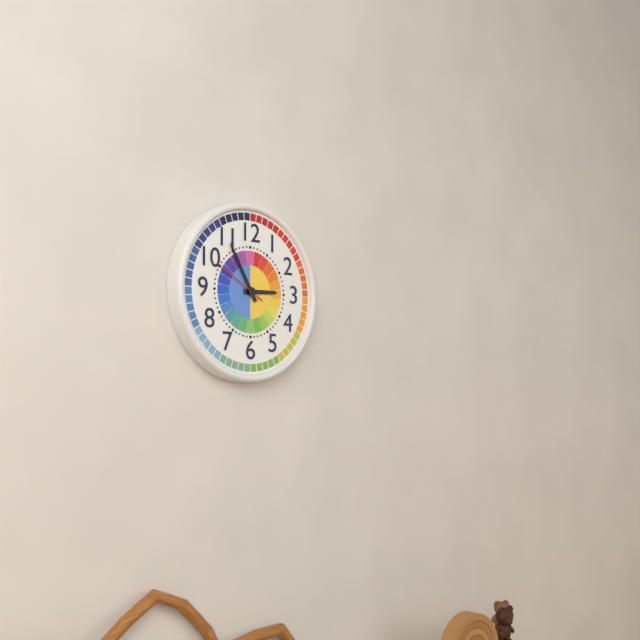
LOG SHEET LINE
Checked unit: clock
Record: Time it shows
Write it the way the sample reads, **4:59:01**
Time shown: **2:55:50**
